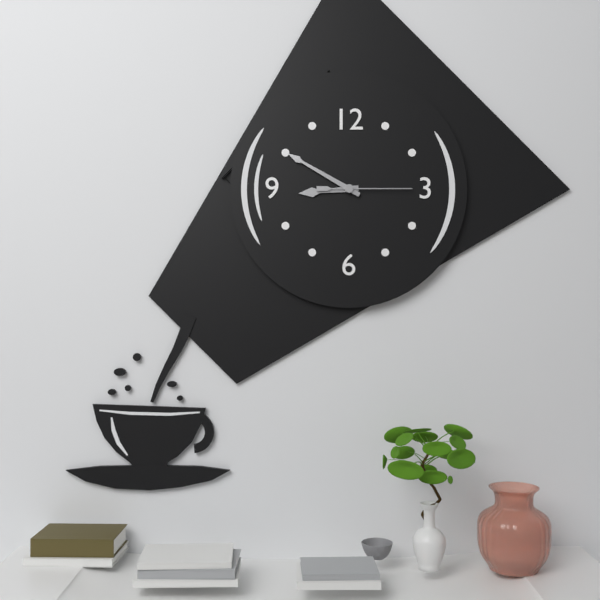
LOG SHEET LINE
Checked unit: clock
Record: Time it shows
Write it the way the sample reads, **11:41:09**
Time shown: **8:50:15**
